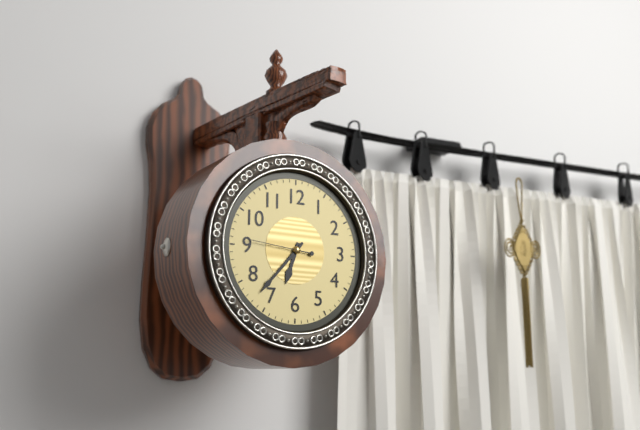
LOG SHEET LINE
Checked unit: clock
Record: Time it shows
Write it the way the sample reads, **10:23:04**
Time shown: **6:37:46**
